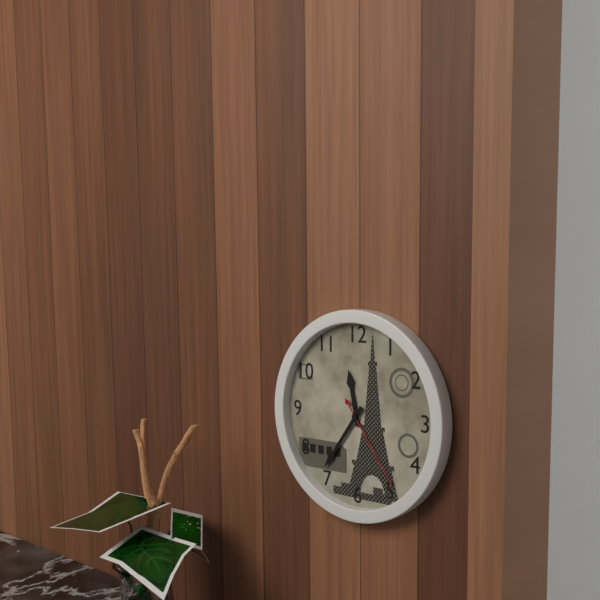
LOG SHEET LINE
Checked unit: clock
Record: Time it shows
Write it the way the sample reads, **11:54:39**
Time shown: **11:36:24**
